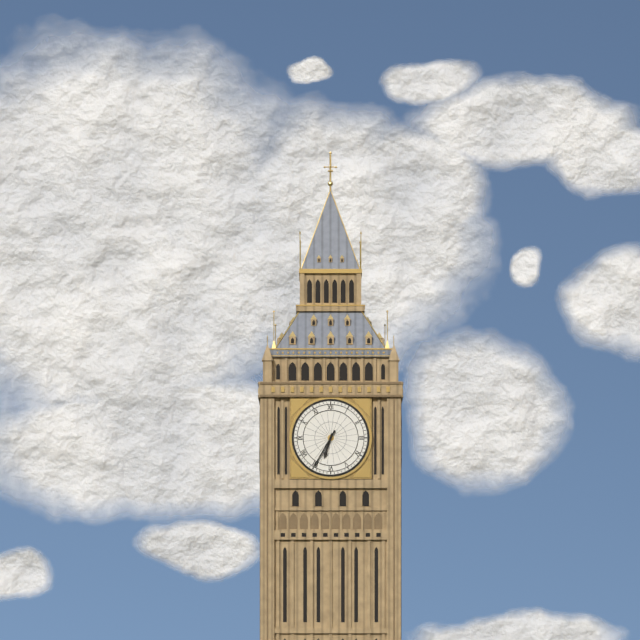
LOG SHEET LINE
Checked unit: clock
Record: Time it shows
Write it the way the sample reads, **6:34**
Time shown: **6:35**
